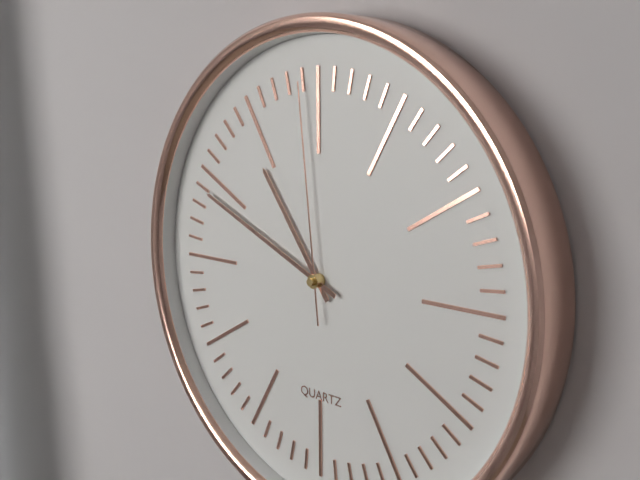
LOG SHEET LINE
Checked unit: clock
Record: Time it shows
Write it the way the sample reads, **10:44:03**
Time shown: **10:49:59**
